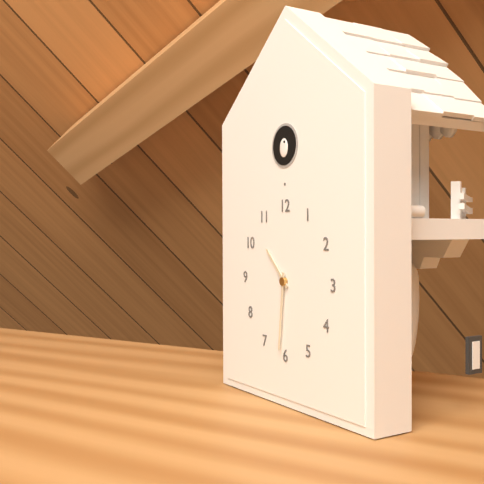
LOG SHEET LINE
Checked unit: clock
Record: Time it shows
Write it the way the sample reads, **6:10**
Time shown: **10:31**
